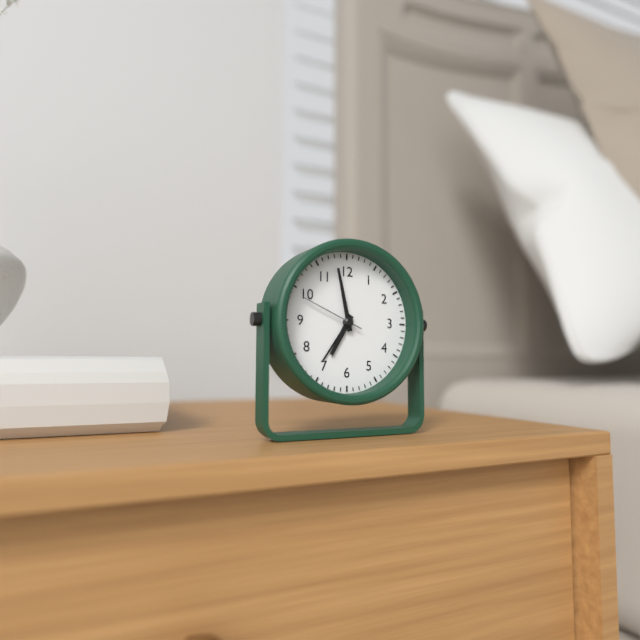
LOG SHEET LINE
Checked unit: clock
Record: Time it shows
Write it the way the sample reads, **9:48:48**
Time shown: **6:58:49**
